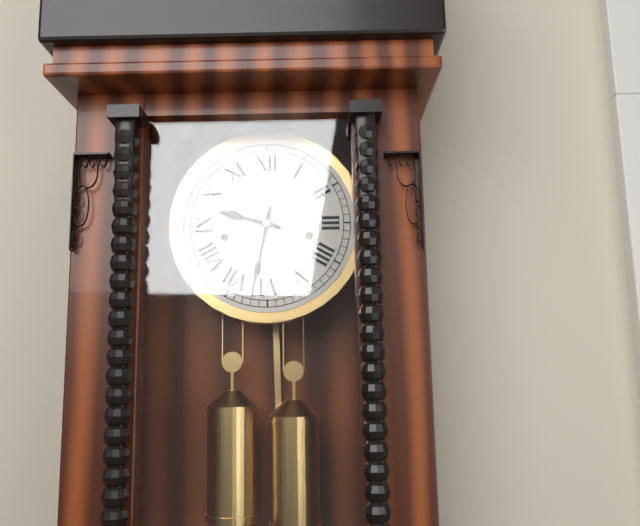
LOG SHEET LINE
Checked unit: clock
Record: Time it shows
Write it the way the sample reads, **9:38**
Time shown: **9:32**
